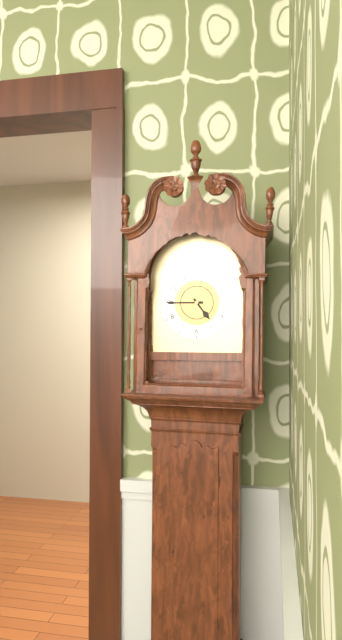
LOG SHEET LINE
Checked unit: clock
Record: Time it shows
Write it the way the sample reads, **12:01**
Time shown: **4:45**
